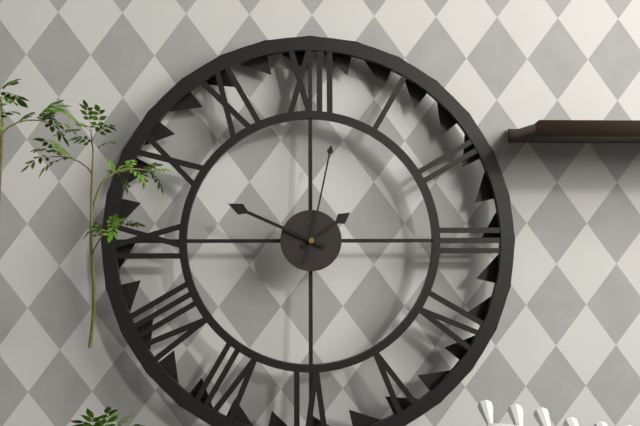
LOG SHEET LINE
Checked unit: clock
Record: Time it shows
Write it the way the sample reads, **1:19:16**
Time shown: **1:49:02**
